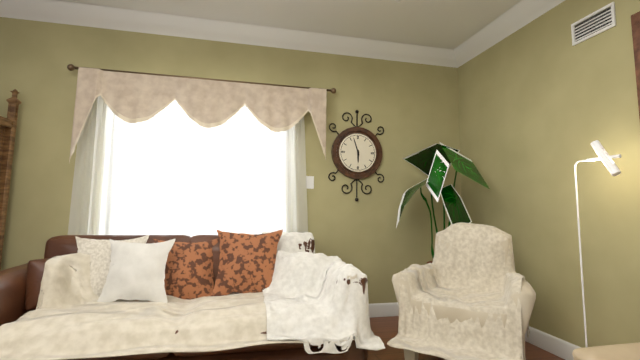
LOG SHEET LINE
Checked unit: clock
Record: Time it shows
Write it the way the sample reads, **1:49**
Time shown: **5:57**
